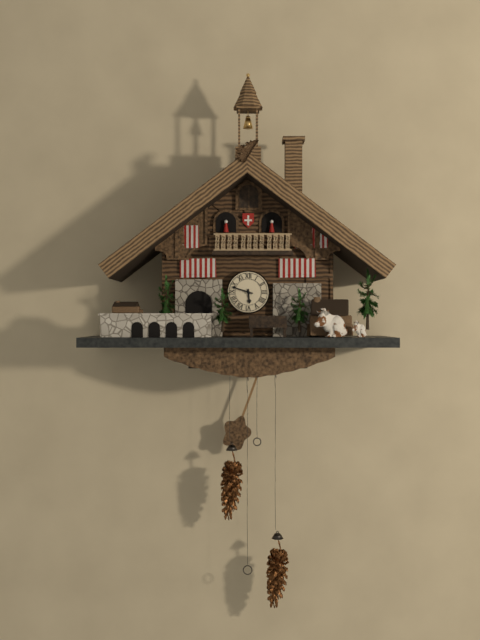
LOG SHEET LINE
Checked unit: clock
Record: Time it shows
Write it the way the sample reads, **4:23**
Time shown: **5:48**
